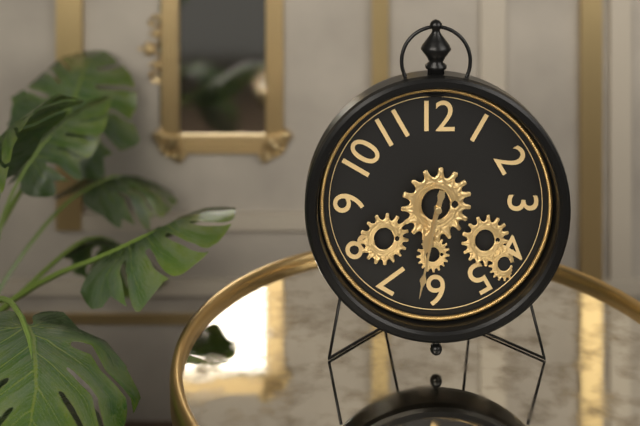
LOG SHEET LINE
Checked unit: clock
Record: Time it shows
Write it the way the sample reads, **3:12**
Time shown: **6:32**
